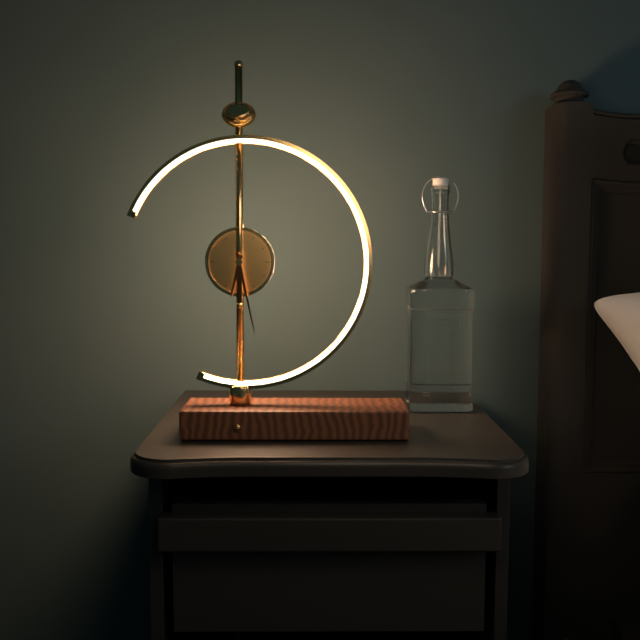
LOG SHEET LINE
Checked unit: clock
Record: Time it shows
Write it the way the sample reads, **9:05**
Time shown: **6:28**
